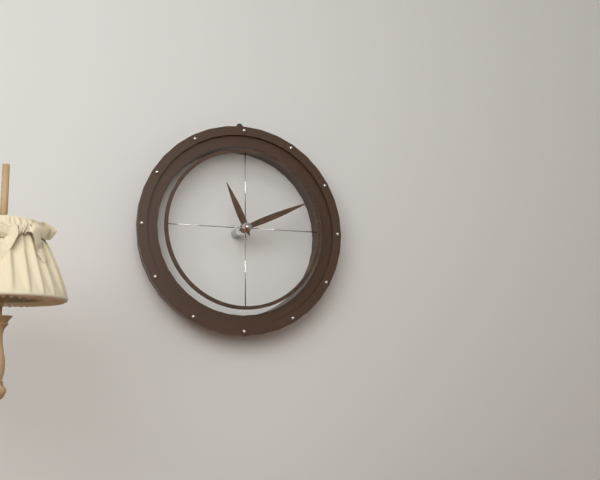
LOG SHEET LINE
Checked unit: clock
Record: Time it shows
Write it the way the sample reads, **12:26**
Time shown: **11:11**
